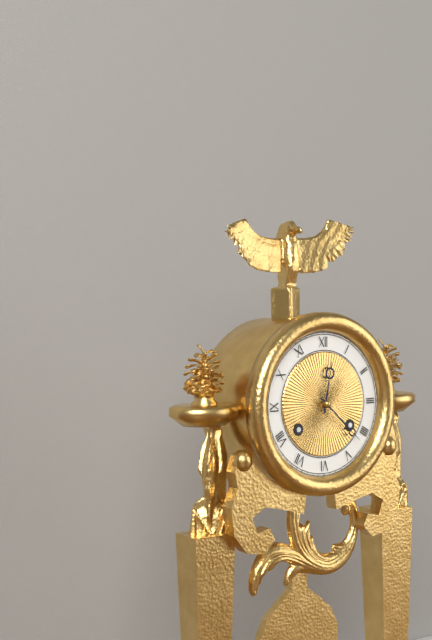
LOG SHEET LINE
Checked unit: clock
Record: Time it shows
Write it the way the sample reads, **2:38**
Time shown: **12:22**
